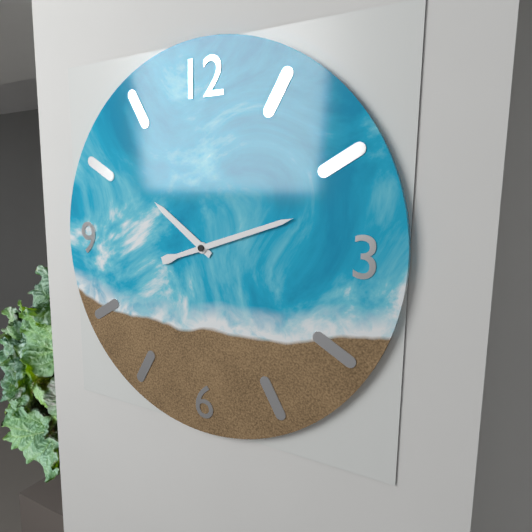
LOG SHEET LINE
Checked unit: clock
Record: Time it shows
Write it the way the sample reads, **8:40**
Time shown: **10:12**
